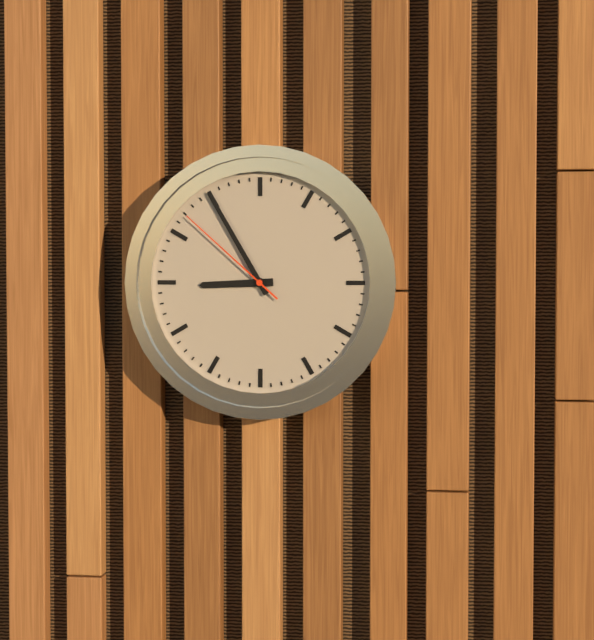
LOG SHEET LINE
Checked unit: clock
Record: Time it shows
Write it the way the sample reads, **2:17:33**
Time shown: **8:55:52**
